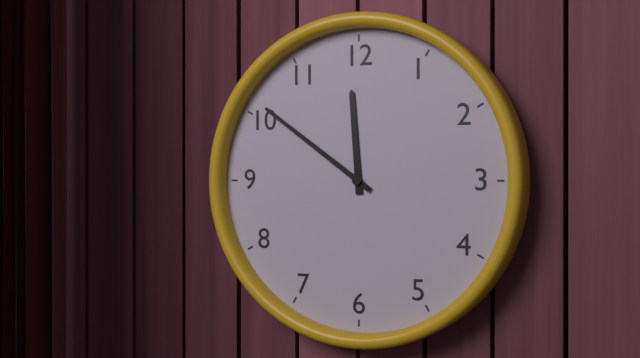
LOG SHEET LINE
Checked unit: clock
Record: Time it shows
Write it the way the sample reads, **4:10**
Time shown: **11:51**
